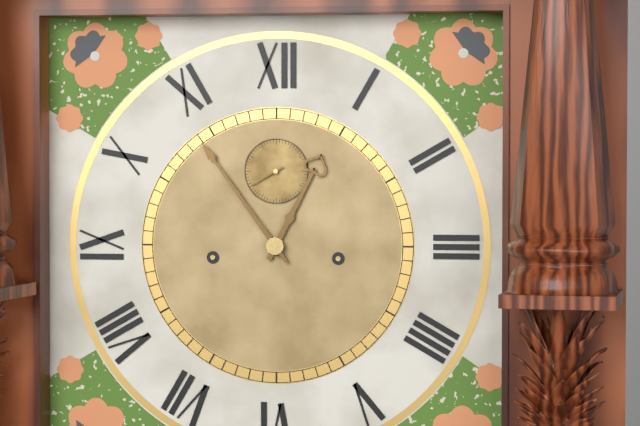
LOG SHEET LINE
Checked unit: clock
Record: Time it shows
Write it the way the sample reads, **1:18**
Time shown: **12:54**
